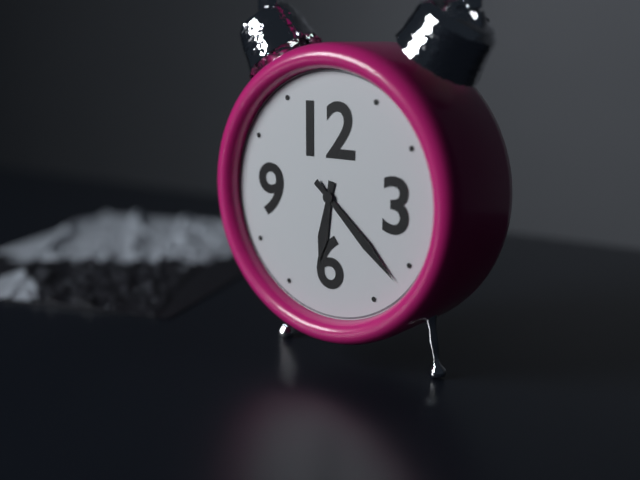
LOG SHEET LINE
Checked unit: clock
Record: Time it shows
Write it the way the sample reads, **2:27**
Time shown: **6:22**
